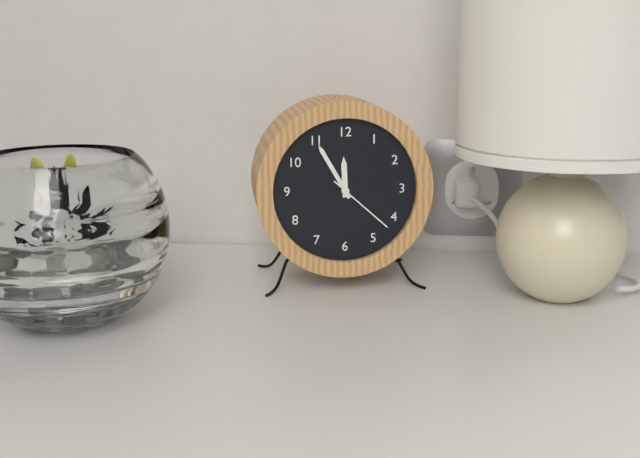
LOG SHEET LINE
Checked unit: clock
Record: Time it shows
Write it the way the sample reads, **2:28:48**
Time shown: **11:55:22**
